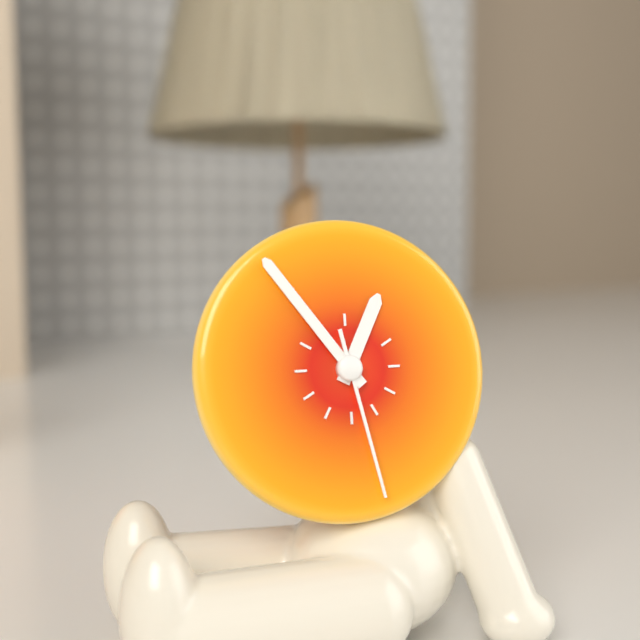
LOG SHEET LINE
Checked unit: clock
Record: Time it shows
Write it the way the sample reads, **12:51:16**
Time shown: **12:54:28**
